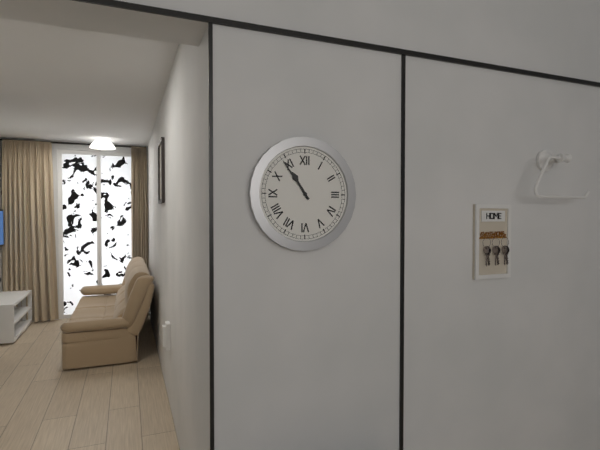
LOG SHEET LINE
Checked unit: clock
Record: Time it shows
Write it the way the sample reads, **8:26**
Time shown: **10:54**
